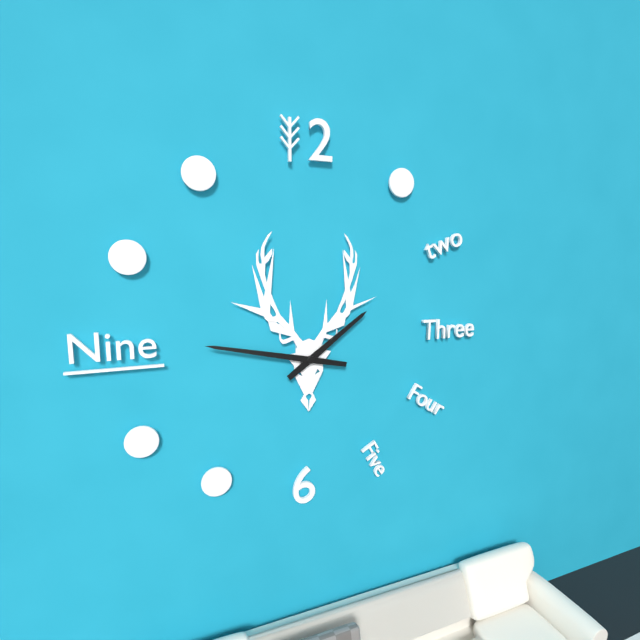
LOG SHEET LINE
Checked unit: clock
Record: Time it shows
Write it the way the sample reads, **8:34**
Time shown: **1:47**
